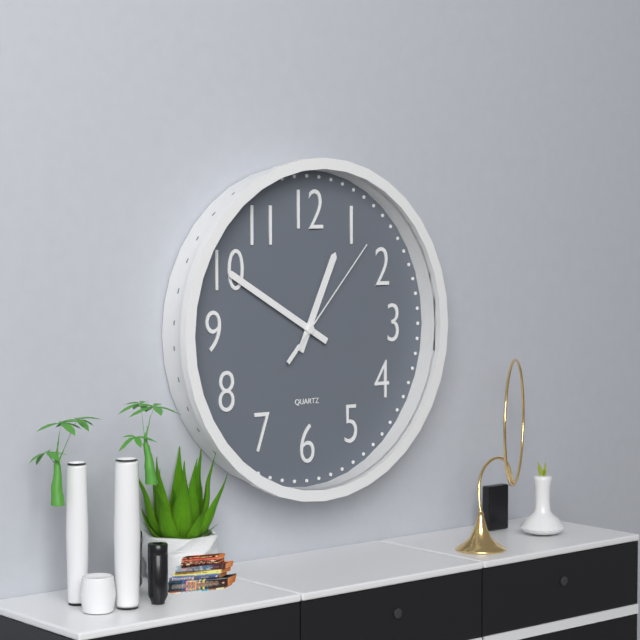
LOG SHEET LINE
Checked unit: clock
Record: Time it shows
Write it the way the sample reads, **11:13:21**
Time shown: **12:50:07**
